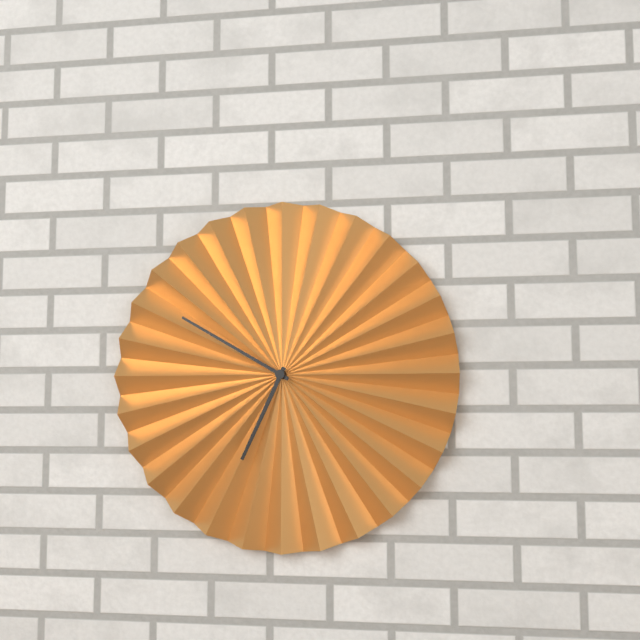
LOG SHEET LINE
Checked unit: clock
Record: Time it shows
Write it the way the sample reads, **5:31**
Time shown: **6:50**
